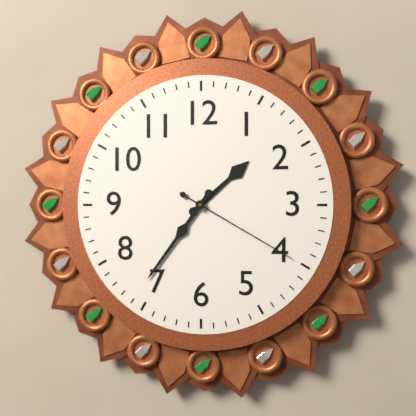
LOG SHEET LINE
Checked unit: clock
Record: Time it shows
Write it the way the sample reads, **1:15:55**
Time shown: **1:36:20**
